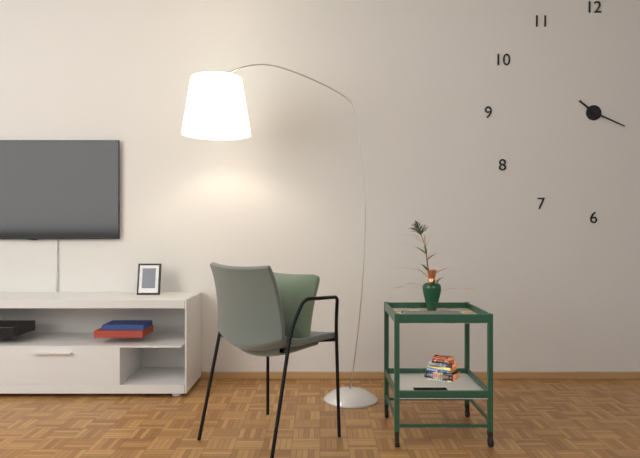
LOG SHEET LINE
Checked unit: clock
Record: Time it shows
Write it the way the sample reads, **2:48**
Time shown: **10:19**
